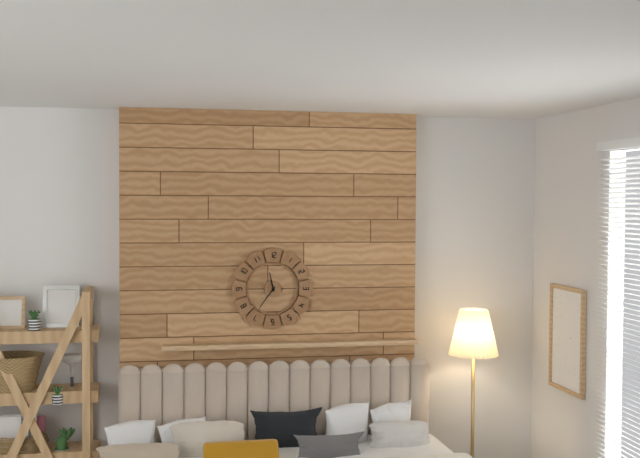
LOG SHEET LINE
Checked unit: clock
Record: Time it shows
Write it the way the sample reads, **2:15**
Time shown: **11:36**
